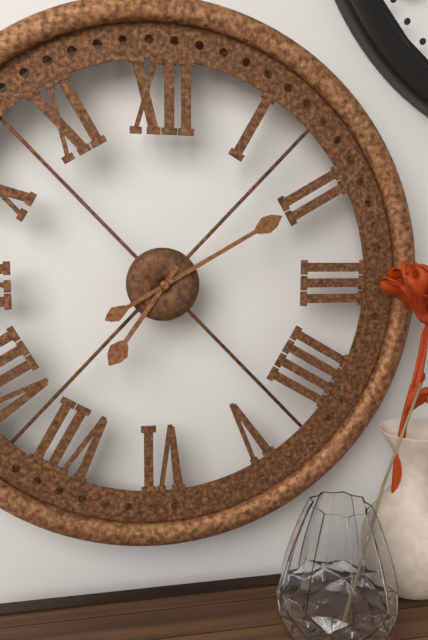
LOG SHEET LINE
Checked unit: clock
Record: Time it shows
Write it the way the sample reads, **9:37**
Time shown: **7:10**
